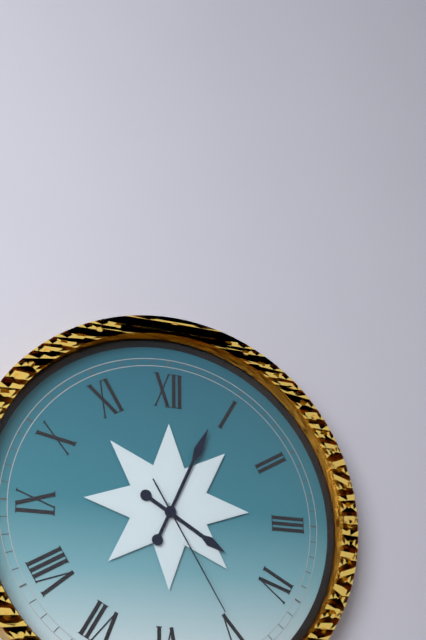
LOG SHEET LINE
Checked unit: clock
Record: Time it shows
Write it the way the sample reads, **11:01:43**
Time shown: **4:04:25**
